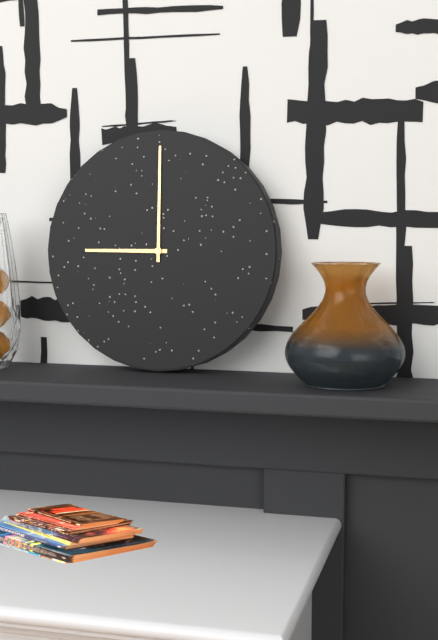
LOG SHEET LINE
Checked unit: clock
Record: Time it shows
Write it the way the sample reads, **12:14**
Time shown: **9:00**
